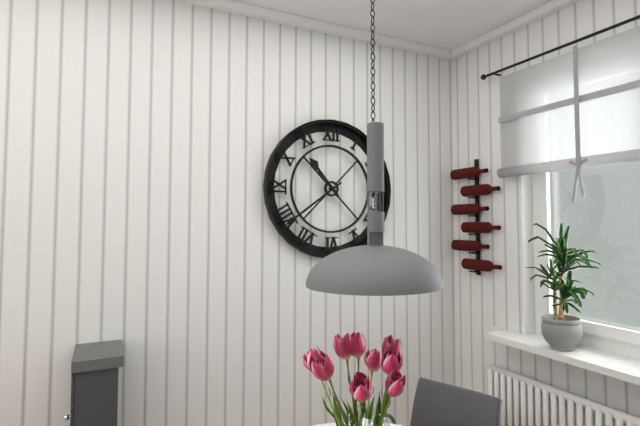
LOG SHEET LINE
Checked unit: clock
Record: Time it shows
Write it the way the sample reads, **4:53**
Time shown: **10:39**
